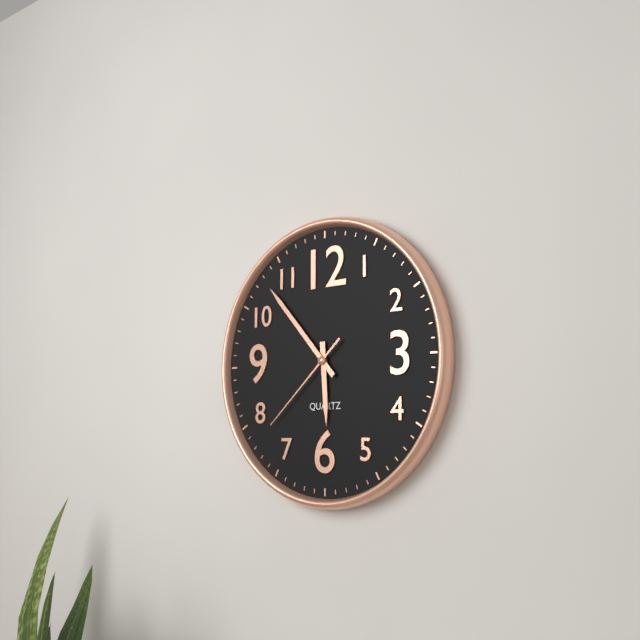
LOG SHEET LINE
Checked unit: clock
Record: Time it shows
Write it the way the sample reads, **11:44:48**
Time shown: **5:53:38**
